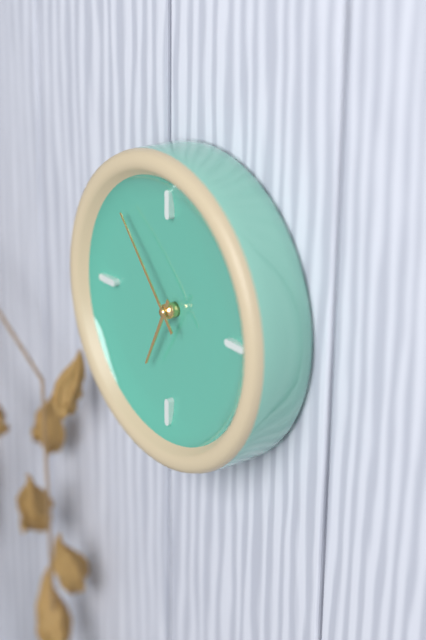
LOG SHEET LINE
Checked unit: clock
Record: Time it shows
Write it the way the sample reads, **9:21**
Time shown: **6:53**
